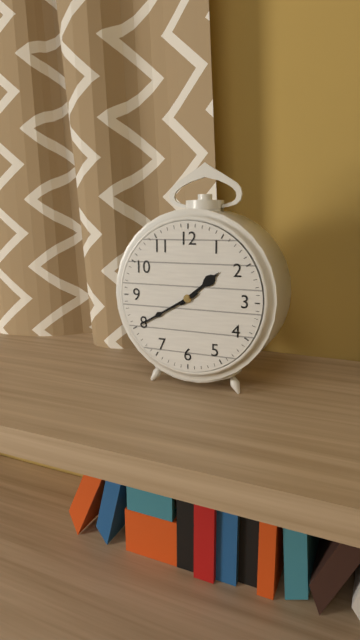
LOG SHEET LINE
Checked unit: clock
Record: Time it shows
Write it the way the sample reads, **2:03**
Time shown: **1:40**
